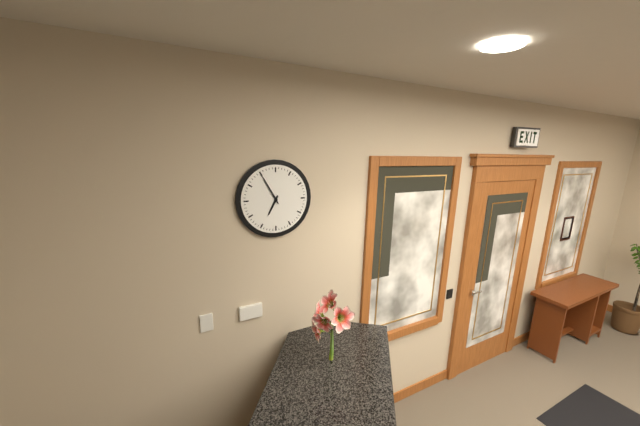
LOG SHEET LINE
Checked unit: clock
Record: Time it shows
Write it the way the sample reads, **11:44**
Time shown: **6:55**
